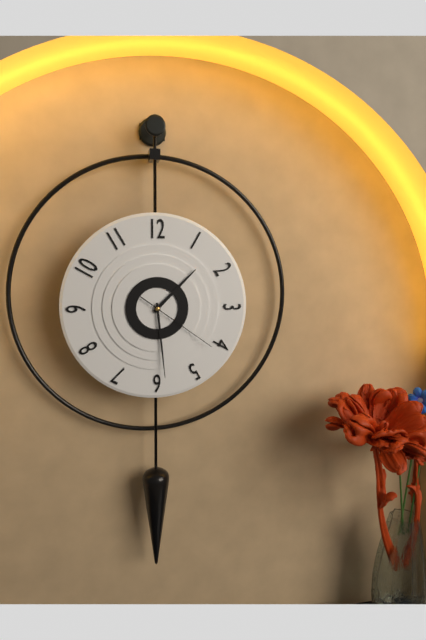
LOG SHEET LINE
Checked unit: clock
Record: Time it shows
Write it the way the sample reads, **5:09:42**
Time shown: **1:29:21**
